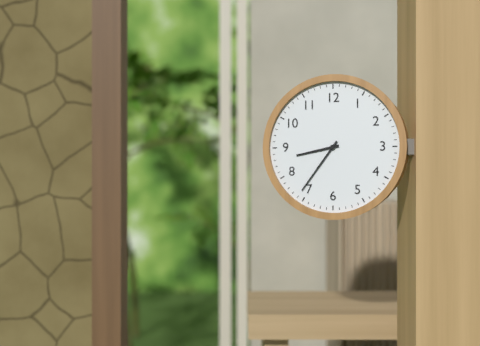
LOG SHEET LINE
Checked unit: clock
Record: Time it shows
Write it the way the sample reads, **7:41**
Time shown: **8:36**
